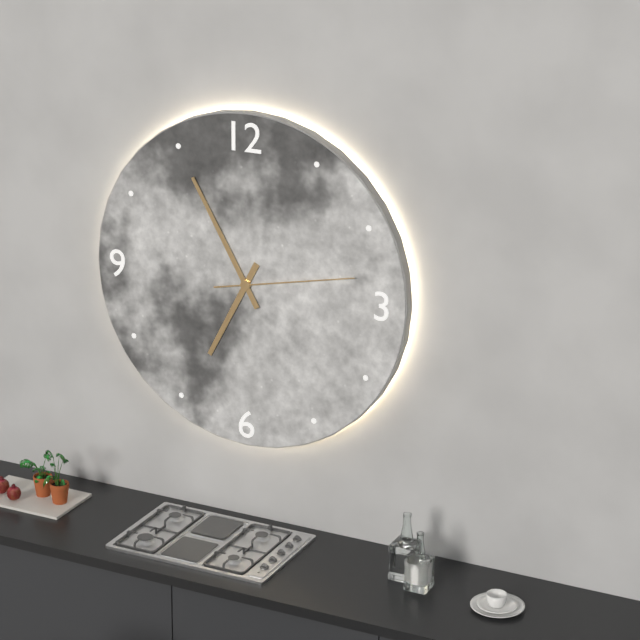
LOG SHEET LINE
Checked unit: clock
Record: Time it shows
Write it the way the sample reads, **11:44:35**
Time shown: **6:55:13**
